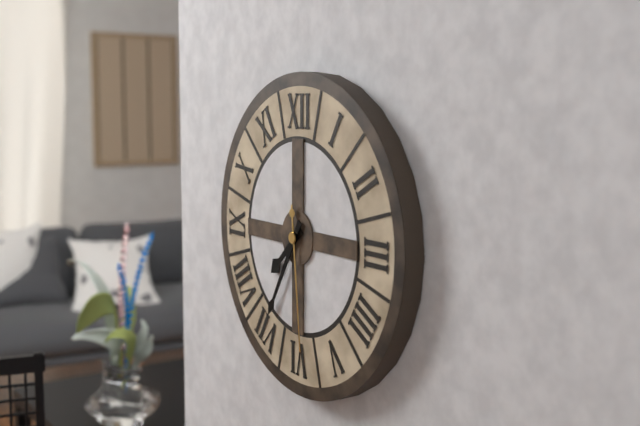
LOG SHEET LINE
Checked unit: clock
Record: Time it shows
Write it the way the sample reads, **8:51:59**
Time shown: **7:35:29**
